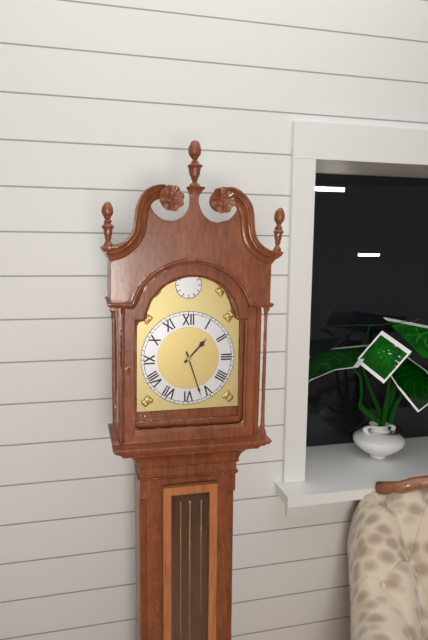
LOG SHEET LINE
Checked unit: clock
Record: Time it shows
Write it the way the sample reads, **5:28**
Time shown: **1:27**
